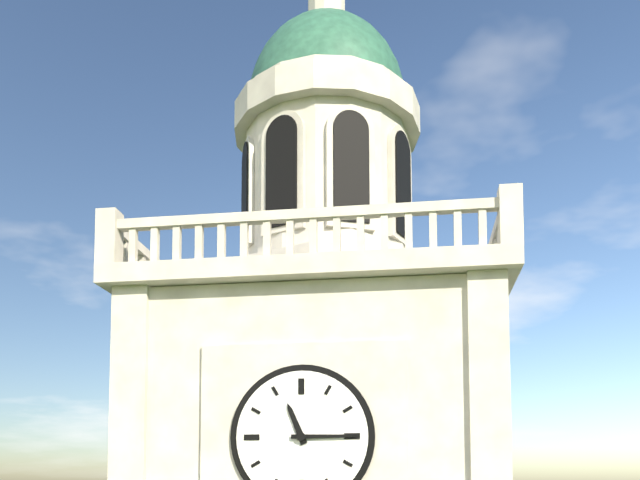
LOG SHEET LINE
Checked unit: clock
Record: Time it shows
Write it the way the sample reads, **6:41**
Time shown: **11:15**
